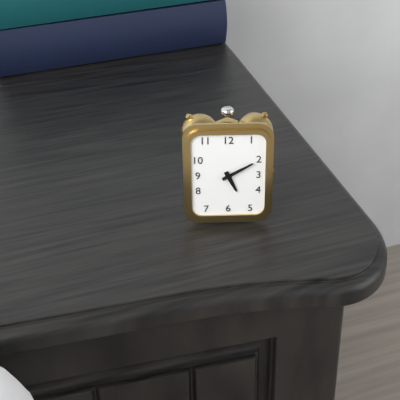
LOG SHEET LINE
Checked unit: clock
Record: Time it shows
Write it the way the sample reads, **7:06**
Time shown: **5:10**
